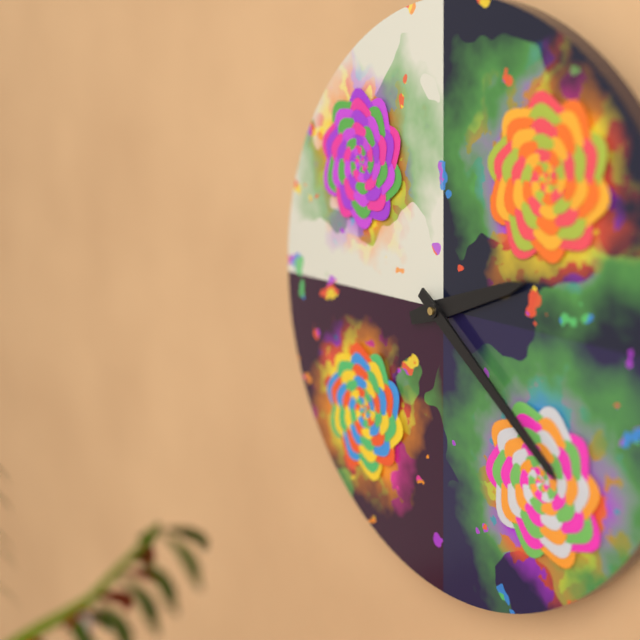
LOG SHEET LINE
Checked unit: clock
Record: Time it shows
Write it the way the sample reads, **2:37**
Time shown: **2:21**
